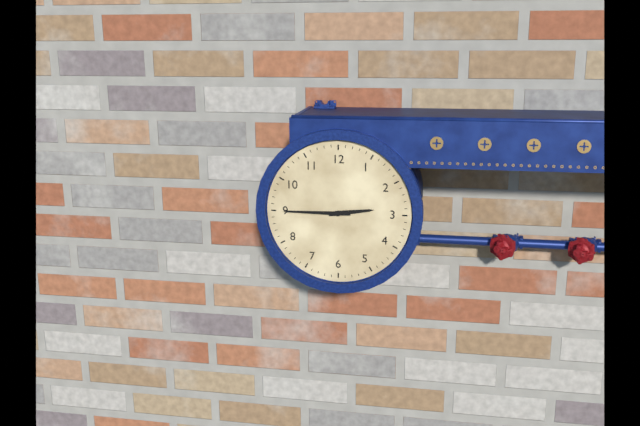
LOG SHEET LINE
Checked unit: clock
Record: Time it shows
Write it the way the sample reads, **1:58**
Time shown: **2:45**
